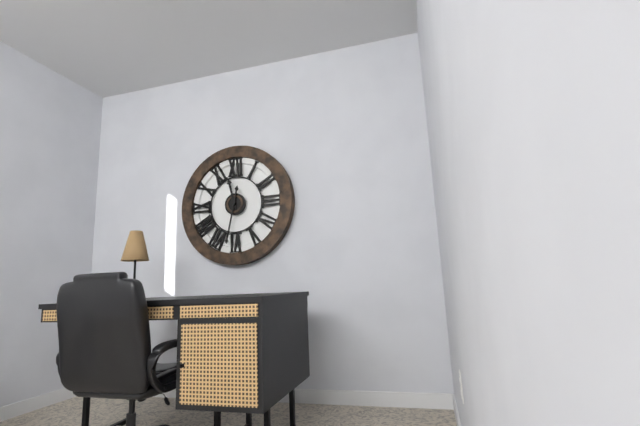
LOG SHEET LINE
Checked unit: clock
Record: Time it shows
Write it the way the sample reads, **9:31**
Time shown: **11:32**
